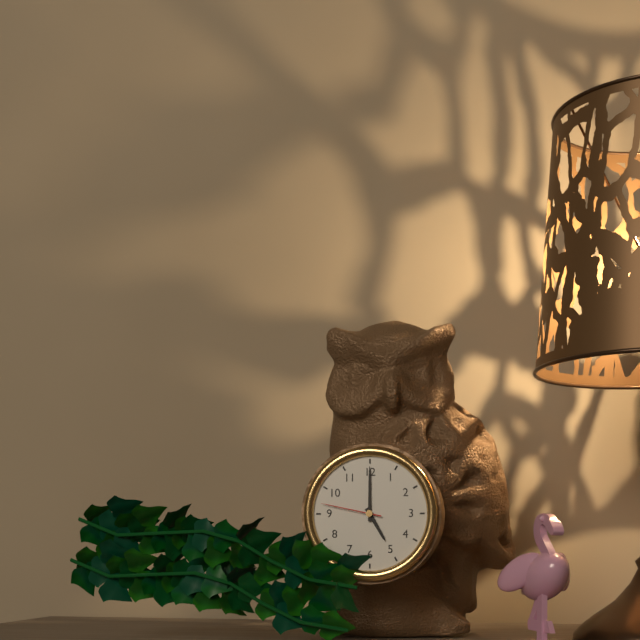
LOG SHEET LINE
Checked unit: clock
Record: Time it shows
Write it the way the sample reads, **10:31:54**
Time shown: **5:00:47**
